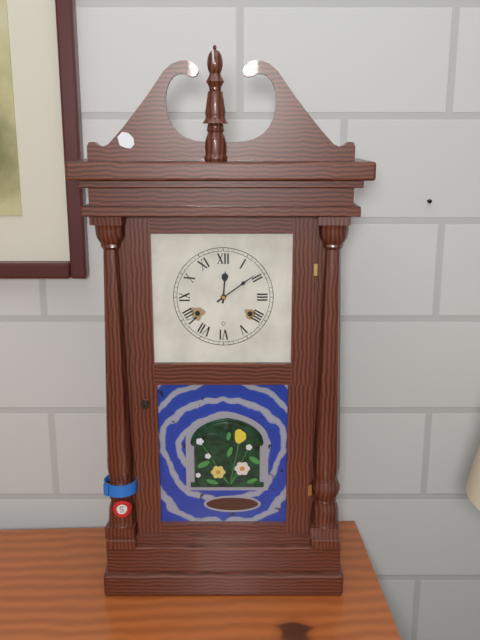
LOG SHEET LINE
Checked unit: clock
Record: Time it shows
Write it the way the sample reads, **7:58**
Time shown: **12:09**
